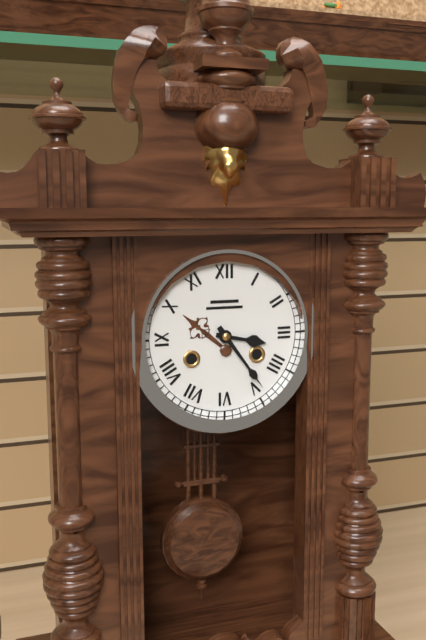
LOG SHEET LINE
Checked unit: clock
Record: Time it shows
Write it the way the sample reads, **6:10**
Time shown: **3:24**
